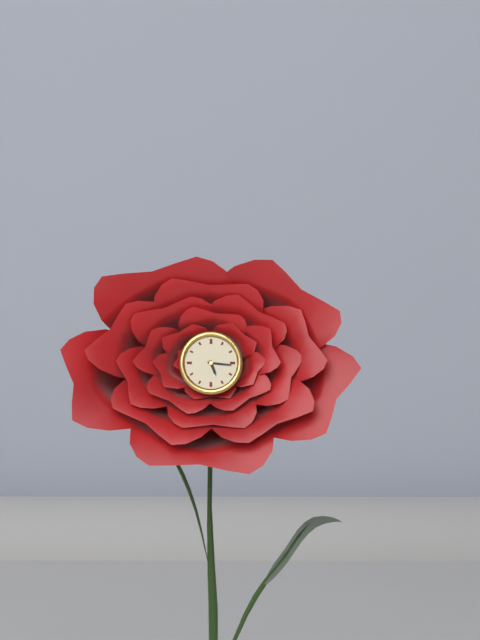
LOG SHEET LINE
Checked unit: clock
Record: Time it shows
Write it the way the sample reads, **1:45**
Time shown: **5:16**
